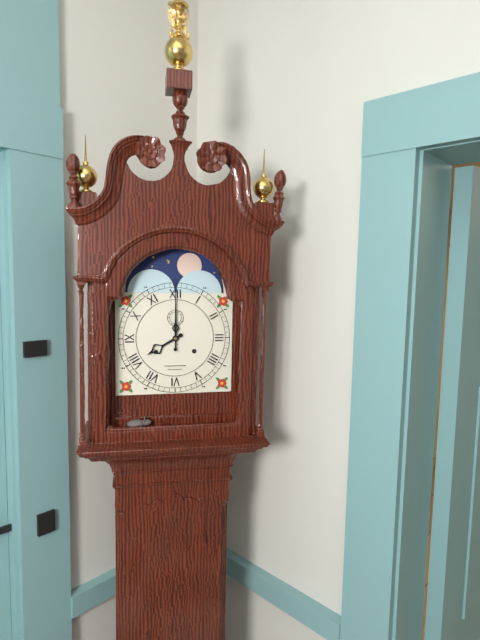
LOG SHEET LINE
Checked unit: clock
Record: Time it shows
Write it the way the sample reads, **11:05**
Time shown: **8:00**
